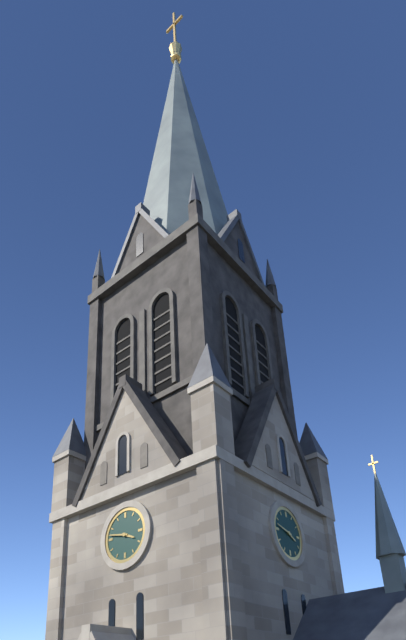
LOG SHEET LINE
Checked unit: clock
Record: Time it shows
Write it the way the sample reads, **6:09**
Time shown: **3:47**
